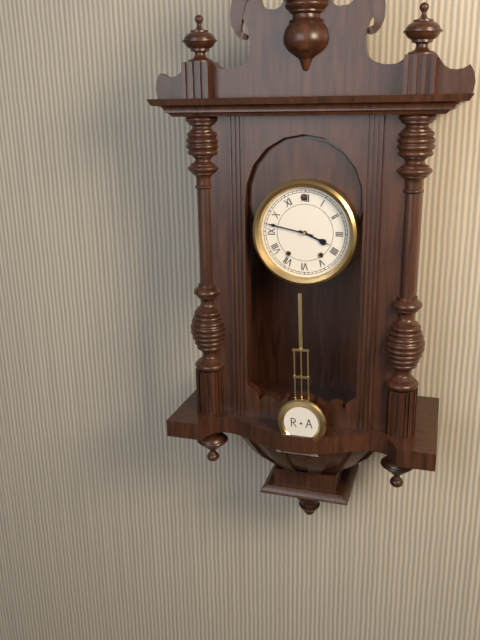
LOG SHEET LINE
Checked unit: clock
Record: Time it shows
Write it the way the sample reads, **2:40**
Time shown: **3:47**
